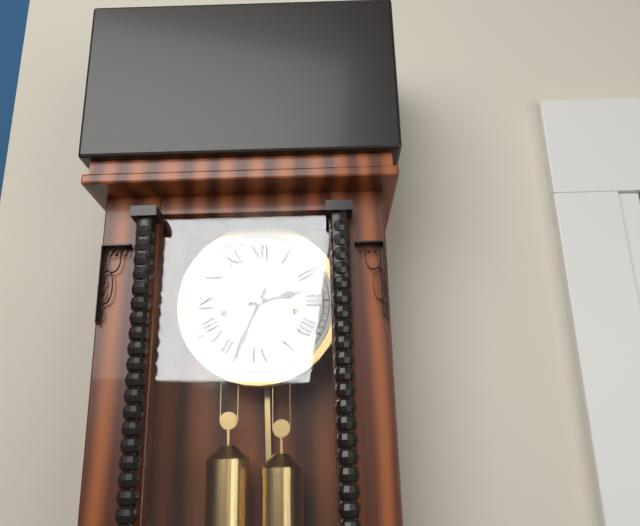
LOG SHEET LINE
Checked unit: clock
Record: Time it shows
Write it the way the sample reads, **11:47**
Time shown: **2:34**
